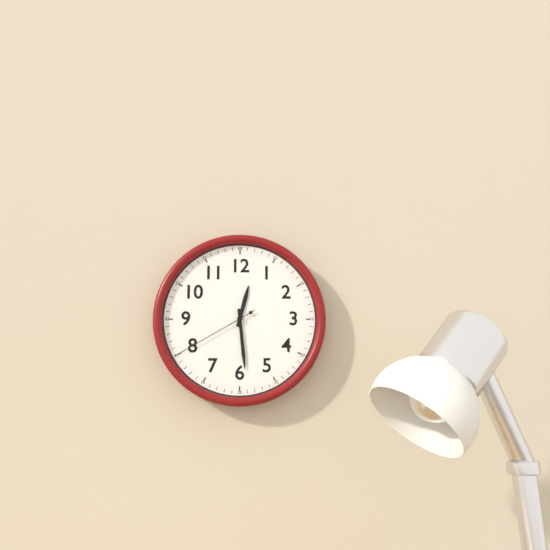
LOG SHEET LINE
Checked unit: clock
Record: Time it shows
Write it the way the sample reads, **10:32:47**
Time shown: **12:29:40**
